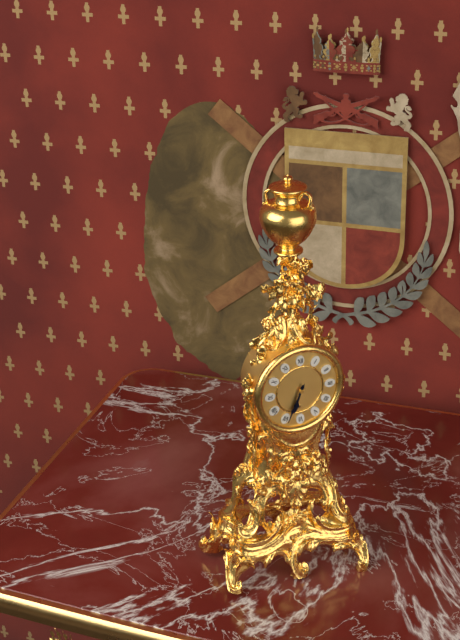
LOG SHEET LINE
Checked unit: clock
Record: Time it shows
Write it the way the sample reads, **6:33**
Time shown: **6:34**
